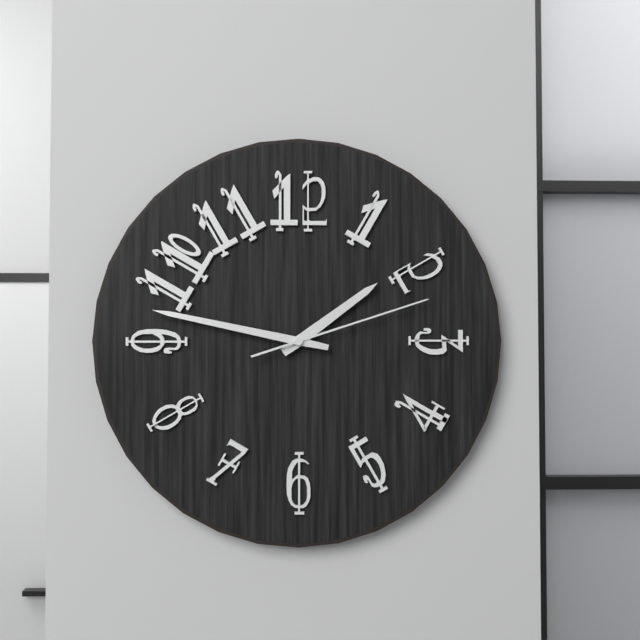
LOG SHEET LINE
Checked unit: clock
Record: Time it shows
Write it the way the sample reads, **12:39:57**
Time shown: **1:47:12**
